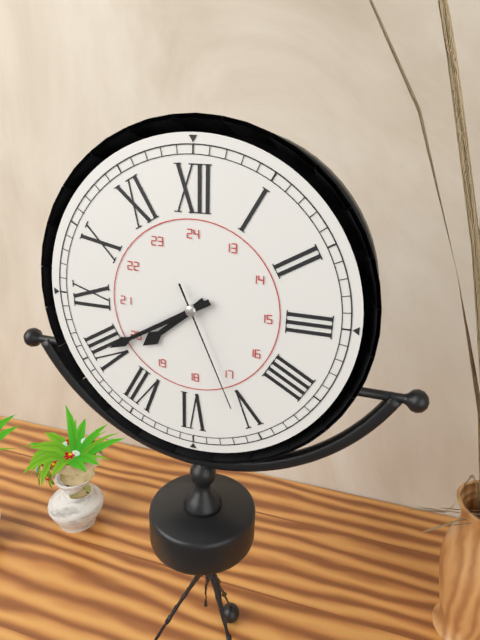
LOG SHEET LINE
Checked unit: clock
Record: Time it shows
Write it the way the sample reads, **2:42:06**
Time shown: **7:40:26**
